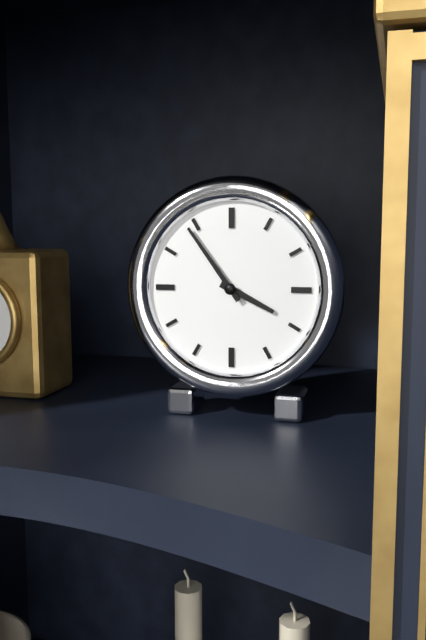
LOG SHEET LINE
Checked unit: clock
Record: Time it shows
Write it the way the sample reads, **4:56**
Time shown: **3:54**
